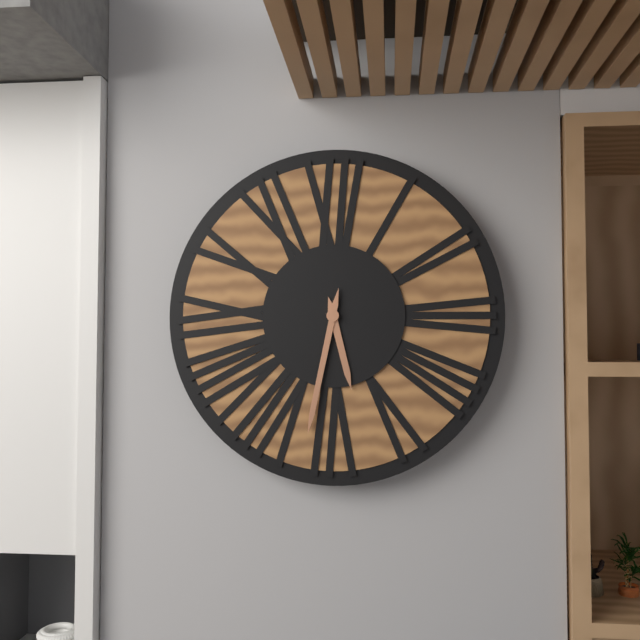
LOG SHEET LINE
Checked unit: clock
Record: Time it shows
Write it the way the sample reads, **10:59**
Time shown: **5:32**
